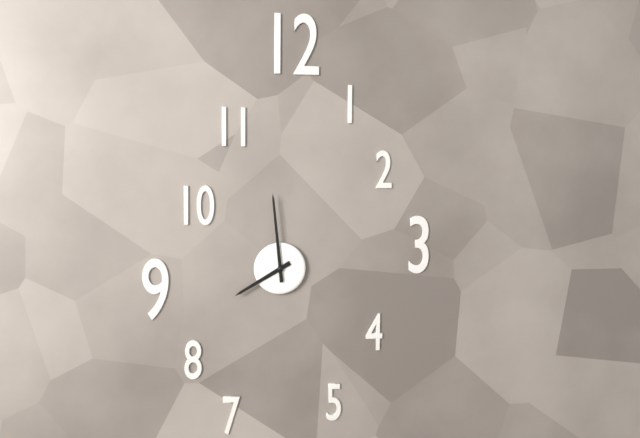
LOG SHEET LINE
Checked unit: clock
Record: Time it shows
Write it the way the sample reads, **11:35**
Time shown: **7:59**
